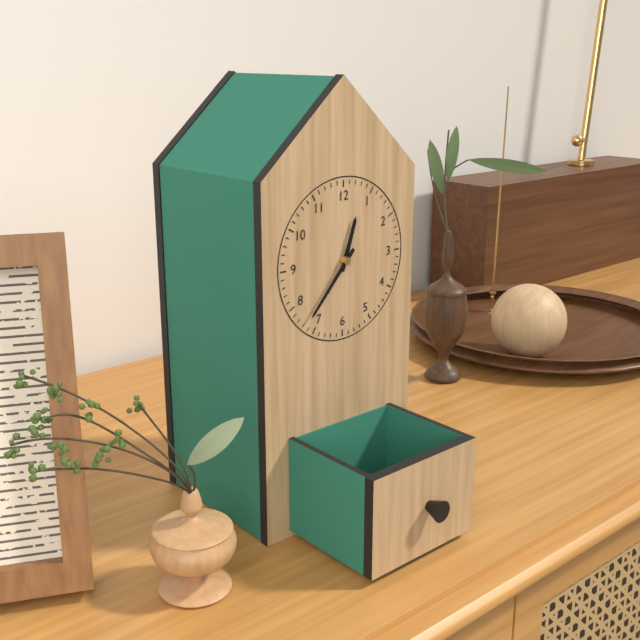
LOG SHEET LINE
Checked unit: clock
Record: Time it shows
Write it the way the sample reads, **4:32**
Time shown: **12:37**
